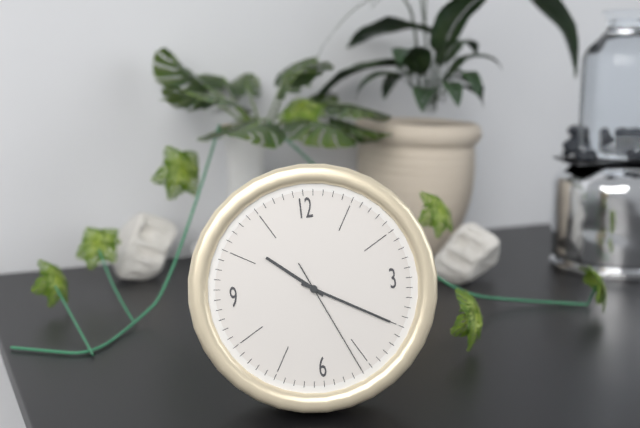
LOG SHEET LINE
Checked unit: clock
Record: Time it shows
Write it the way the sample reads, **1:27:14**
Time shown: **10:20:26**
